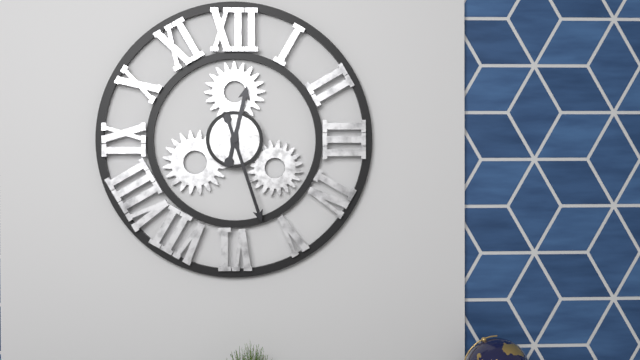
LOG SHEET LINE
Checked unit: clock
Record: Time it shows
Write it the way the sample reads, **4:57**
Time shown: **12:27**
